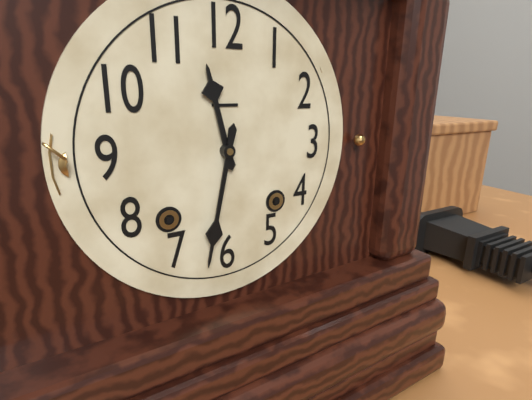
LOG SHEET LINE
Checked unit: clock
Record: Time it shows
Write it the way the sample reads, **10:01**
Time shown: **11:32**
